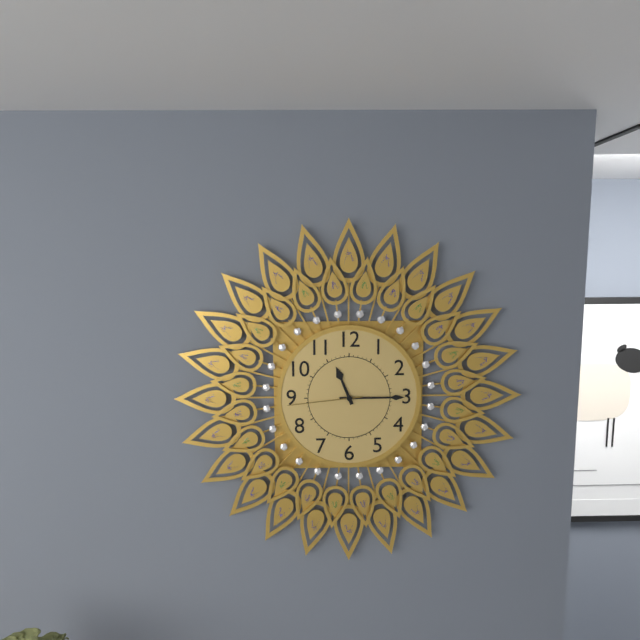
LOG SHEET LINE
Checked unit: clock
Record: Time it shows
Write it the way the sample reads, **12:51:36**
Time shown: **11:15:44**
